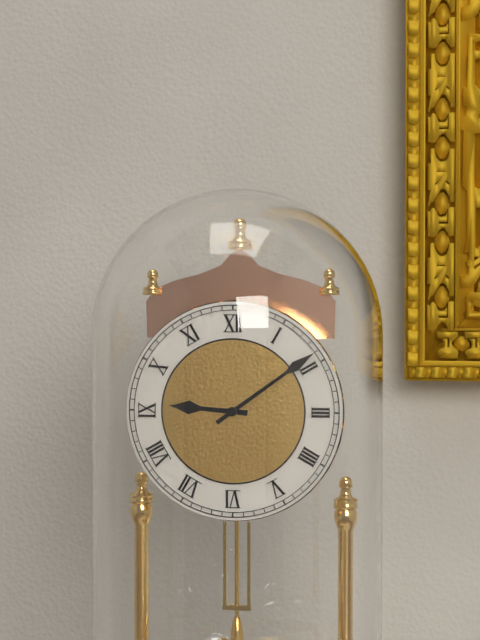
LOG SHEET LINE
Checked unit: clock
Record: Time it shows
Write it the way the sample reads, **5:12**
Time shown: **9:09**
